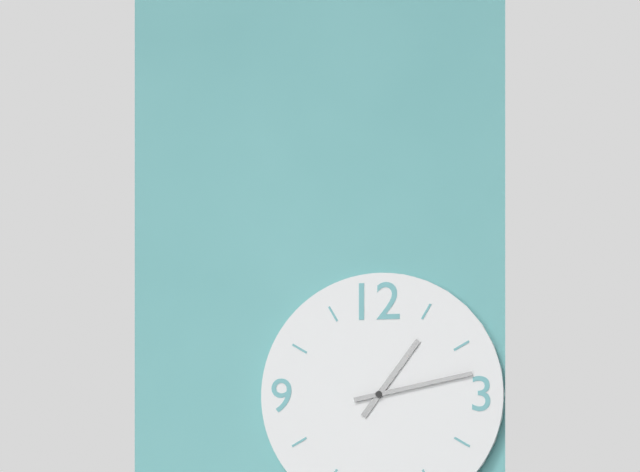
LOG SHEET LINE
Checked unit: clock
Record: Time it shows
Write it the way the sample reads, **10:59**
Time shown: **1:13**
